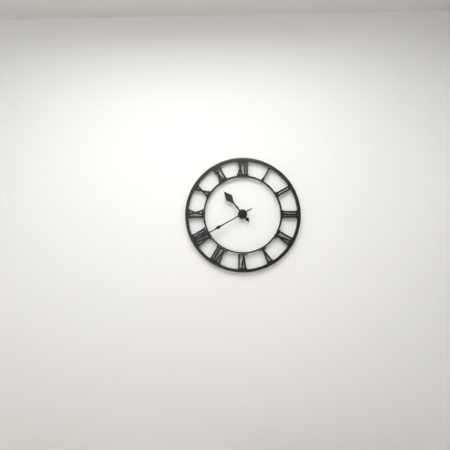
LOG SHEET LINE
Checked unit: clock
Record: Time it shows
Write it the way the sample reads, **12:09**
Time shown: **10:40**
